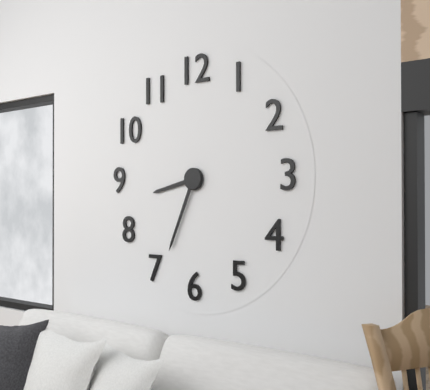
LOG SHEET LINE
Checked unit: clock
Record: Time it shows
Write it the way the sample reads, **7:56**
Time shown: **8:34**
